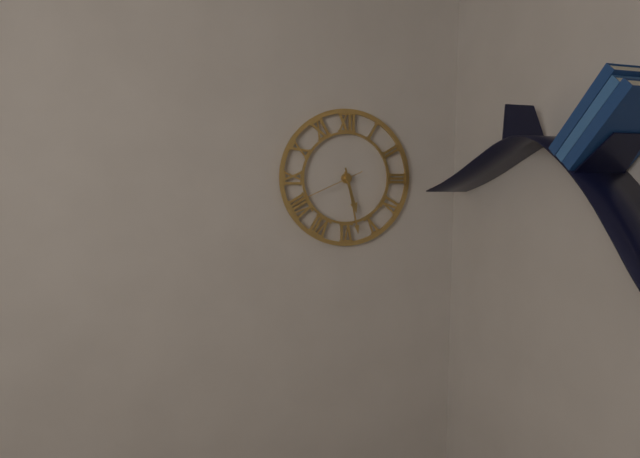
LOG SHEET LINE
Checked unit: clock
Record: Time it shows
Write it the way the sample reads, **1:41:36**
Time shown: **5:28:41**
